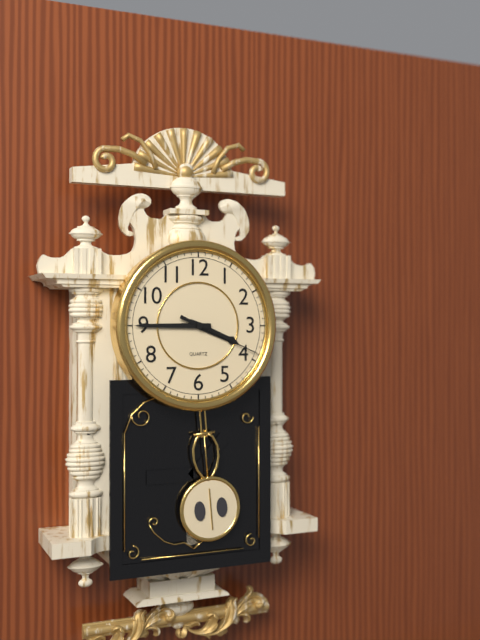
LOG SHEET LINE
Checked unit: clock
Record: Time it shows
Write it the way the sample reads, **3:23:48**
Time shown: **3:45:19**
